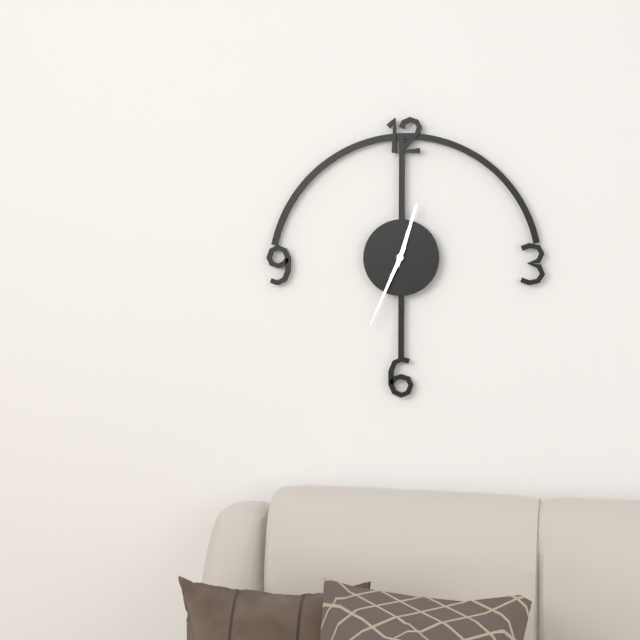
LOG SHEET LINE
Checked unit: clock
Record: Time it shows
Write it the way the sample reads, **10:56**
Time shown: **12:34**
